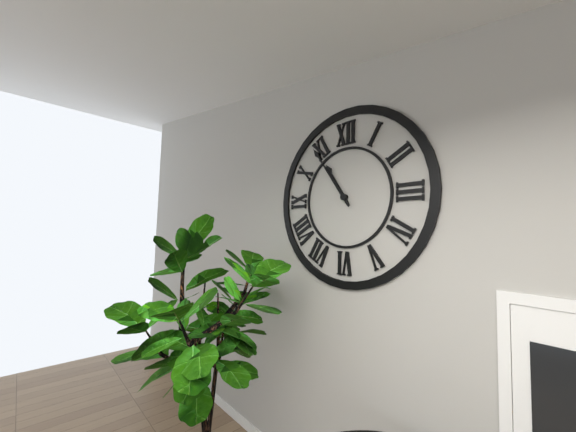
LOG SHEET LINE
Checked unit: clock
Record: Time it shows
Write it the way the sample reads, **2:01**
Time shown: **10:54**
